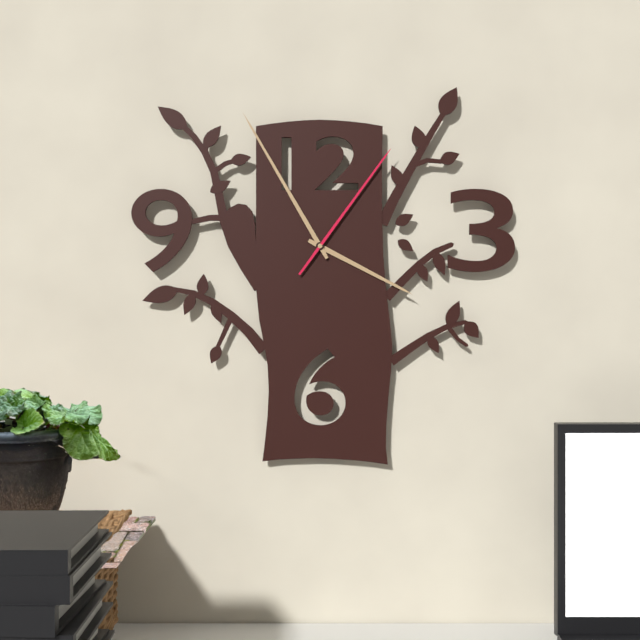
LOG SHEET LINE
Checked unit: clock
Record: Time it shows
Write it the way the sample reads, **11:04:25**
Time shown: **3:55:06**
